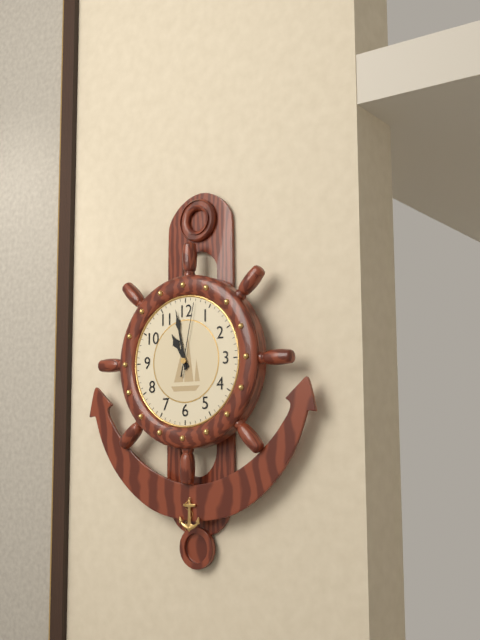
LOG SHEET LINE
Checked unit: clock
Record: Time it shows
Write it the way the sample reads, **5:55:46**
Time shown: **10:58:02**
